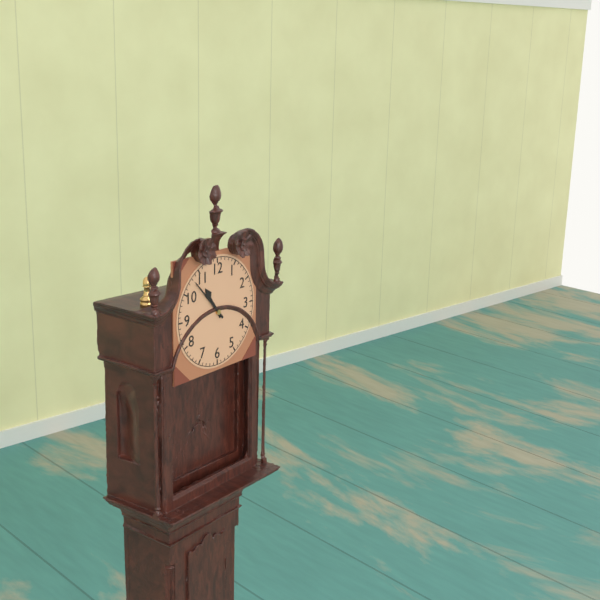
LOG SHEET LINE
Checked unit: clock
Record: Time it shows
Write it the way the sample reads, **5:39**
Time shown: **10:53**
